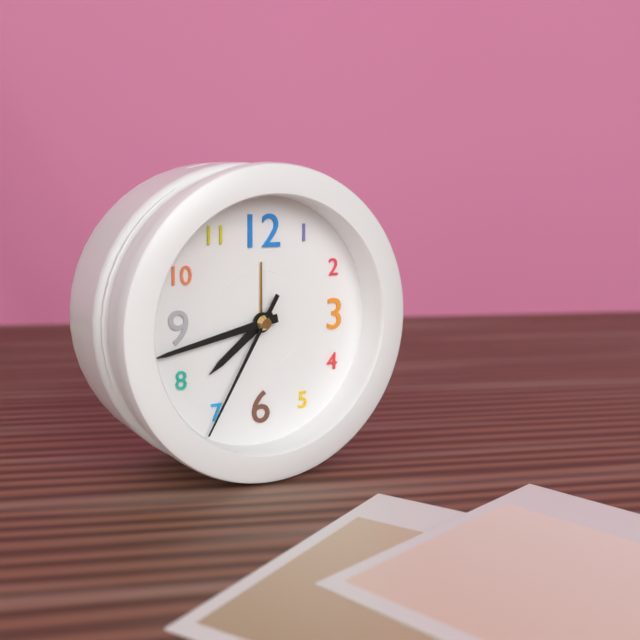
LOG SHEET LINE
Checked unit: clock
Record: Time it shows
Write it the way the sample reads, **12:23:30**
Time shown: **7:43:35**
